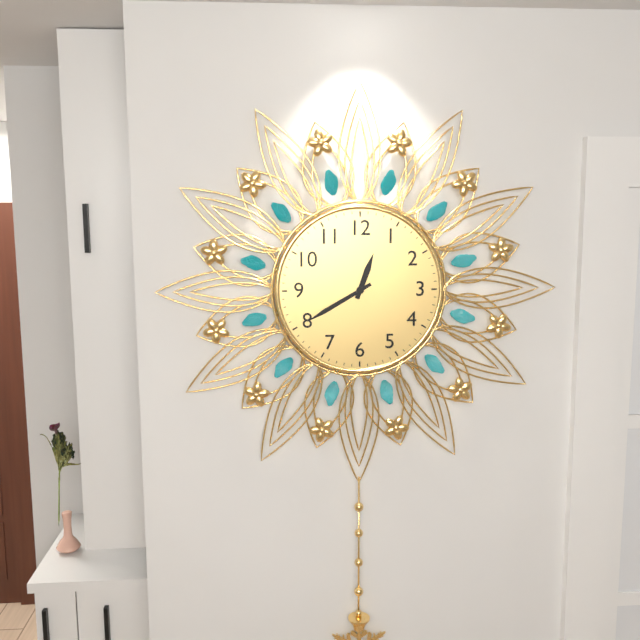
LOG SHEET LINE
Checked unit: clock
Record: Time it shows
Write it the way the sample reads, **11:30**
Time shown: **12:40**
